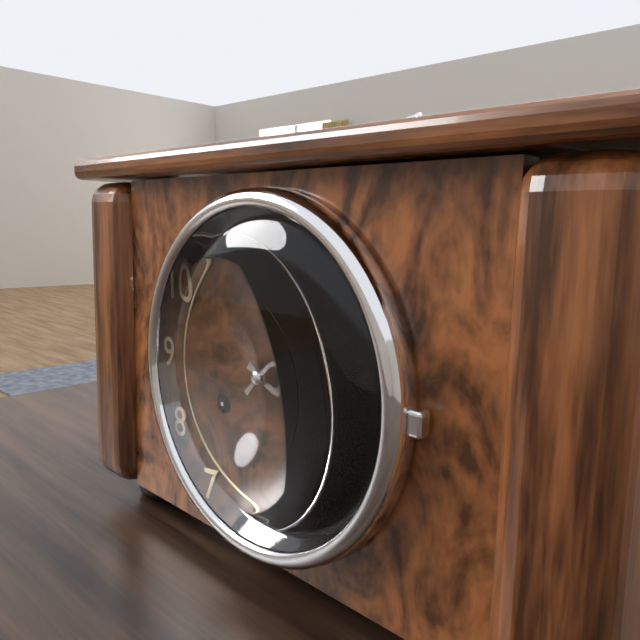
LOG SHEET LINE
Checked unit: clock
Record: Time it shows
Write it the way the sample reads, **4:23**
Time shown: **4:07**
